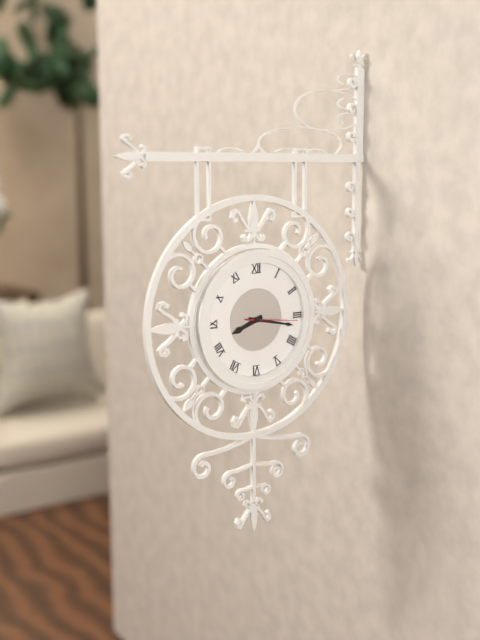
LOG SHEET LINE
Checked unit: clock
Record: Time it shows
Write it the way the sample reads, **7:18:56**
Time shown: **8:17:16**
